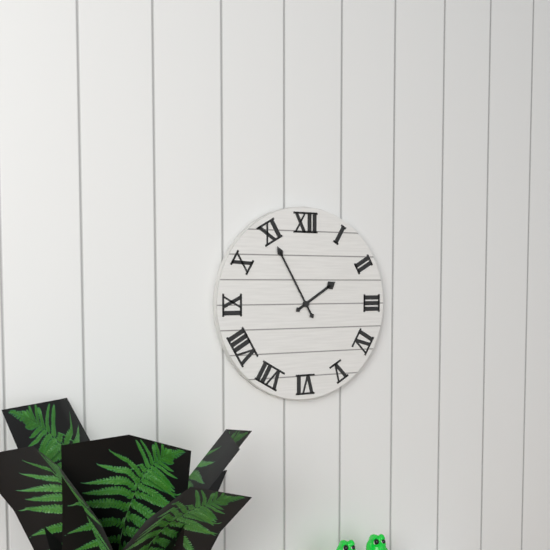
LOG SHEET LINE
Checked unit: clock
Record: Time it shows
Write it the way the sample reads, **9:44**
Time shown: **1:55**
